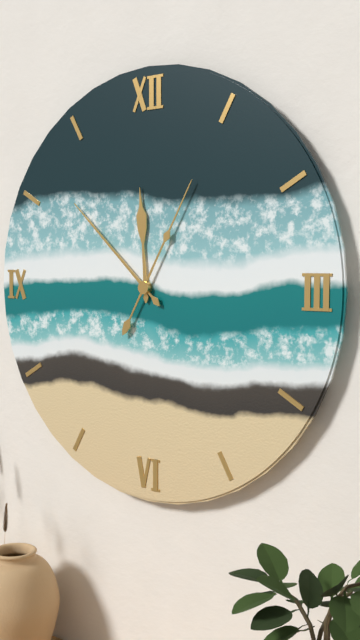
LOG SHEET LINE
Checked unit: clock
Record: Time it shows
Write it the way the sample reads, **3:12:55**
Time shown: **11:52:05**
